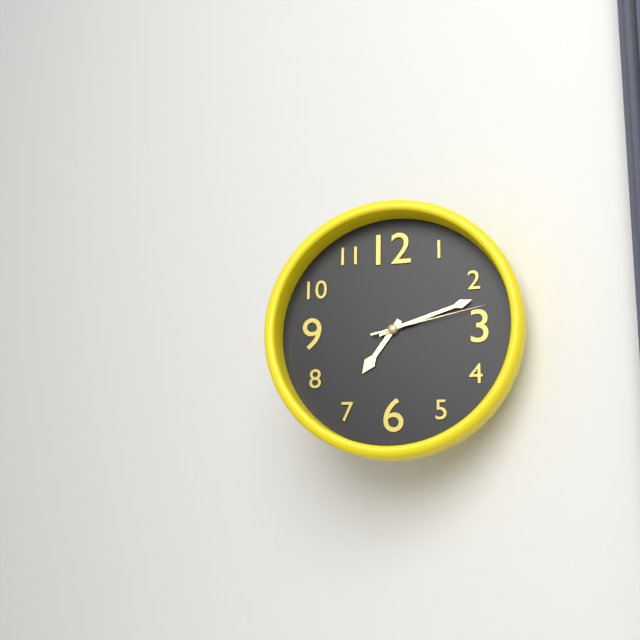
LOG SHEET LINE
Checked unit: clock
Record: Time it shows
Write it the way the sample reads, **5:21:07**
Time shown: **7:12:13**
